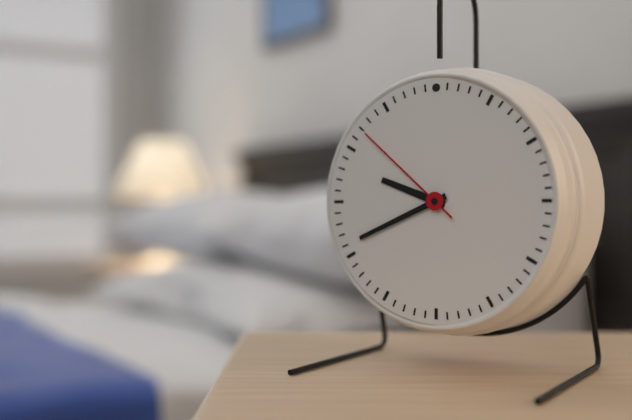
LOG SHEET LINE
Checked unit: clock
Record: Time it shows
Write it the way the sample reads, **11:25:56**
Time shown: **9:41:52**
